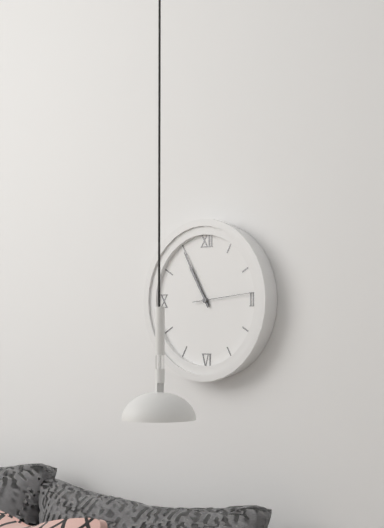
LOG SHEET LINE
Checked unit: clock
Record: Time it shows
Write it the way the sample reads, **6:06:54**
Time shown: **10:55:14**
